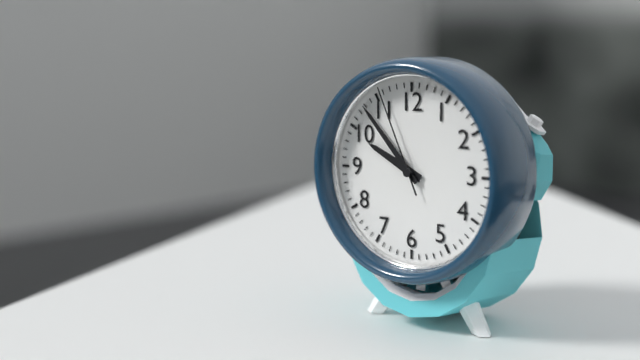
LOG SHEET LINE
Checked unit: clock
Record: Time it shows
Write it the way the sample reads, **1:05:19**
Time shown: **9:53:56**
